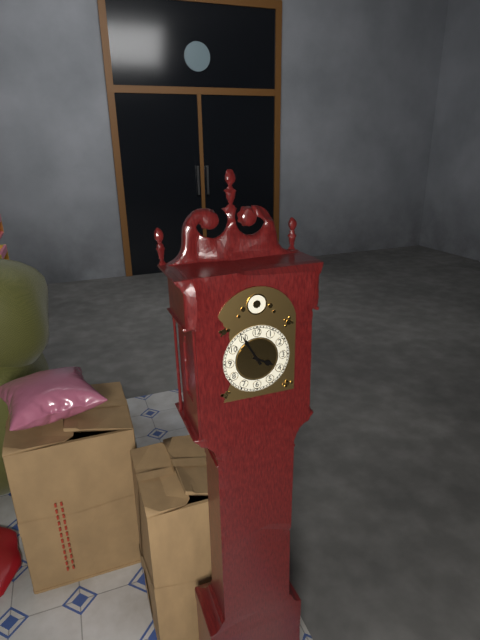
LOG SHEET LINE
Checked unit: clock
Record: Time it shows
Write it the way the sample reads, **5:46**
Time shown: **3:55**
